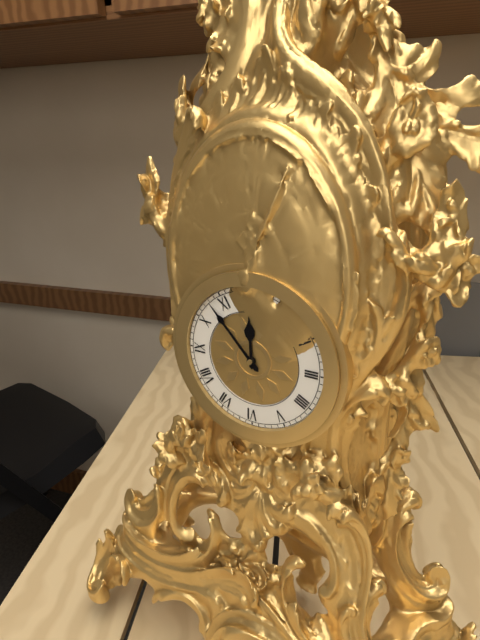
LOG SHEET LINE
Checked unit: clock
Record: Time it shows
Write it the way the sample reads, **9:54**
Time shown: **11:53**
